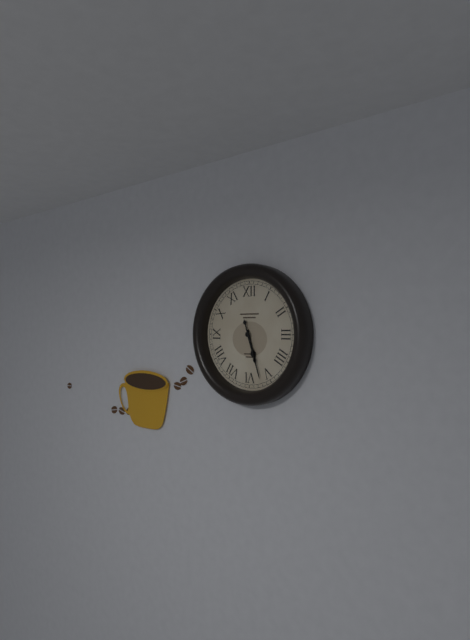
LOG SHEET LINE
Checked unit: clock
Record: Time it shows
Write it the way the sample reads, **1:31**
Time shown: **5:27**
